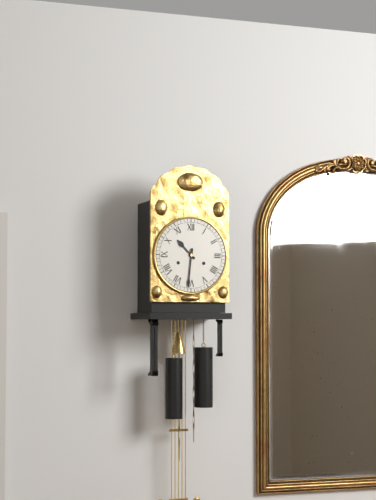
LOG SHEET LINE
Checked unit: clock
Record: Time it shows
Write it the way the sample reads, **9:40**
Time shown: **10:31**
